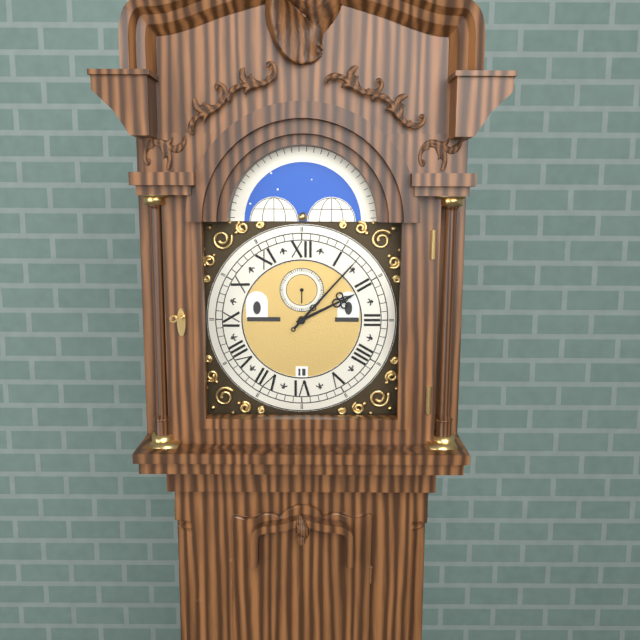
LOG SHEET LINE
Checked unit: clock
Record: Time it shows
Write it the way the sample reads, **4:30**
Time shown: **2:07**
